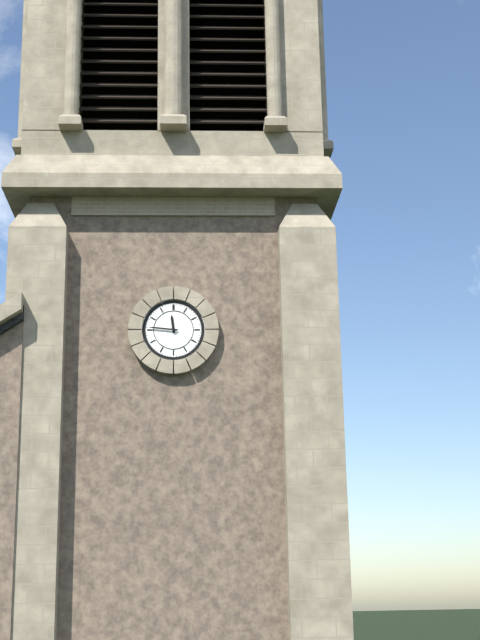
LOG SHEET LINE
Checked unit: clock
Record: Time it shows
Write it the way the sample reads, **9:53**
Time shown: **11:46**
